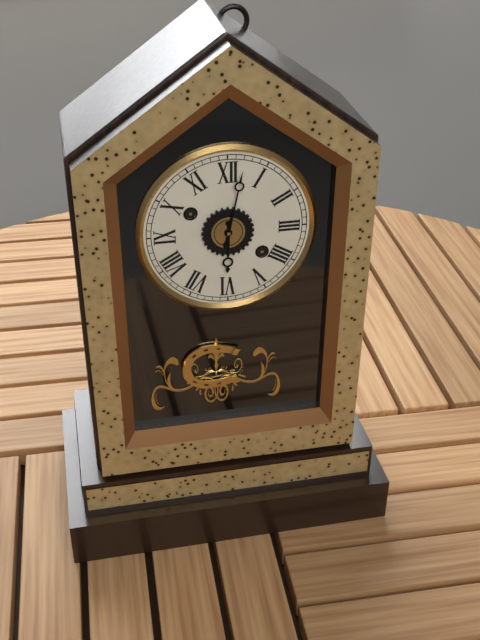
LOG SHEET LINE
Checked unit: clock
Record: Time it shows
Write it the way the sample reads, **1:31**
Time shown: **6:02**
